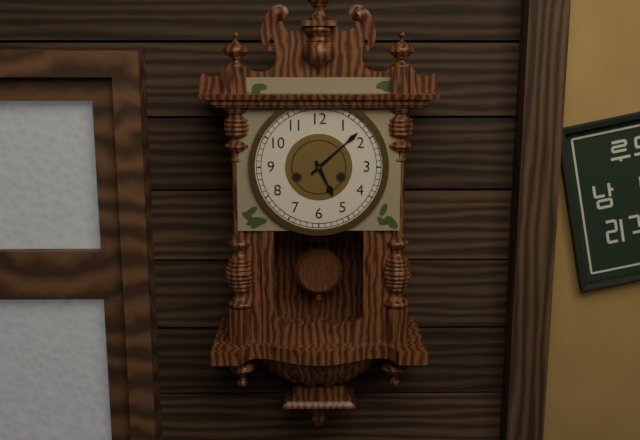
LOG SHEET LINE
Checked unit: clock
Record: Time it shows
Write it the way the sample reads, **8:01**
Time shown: **5:08**
